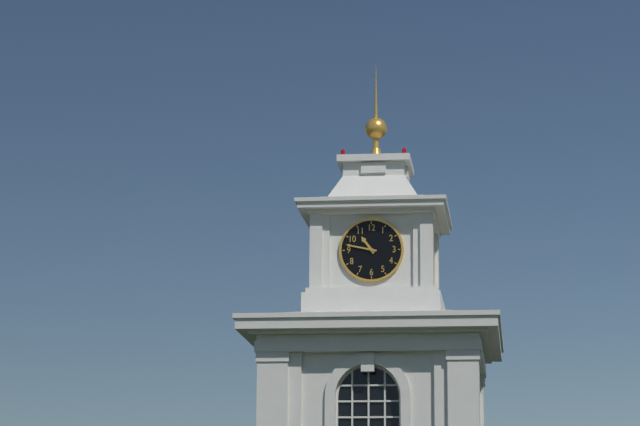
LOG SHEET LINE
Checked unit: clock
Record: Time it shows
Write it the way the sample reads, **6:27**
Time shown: **10:47**
